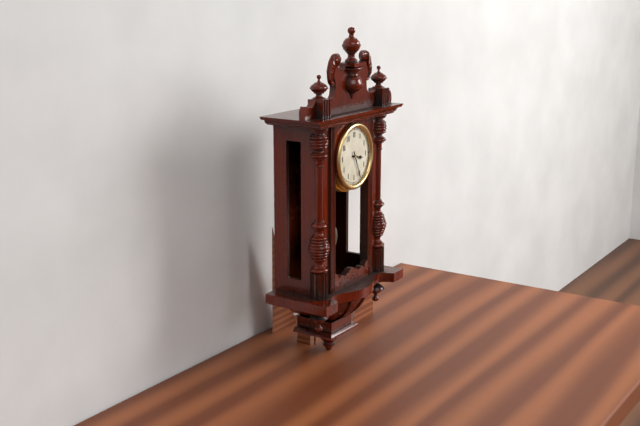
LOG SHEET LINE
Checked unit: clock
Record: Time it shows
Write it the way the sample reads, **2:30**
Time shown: **3:26**
